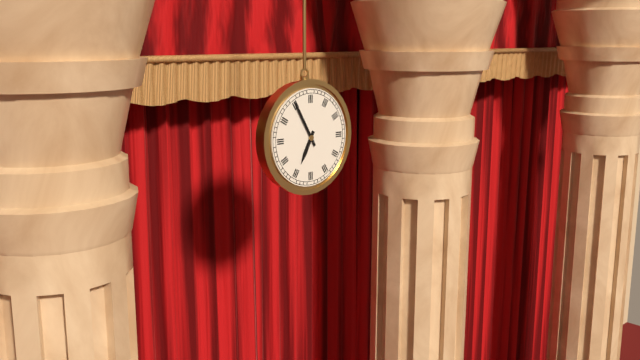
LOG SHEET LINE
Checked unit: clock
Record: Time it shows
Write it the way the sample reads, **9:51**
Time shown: **6:55**
